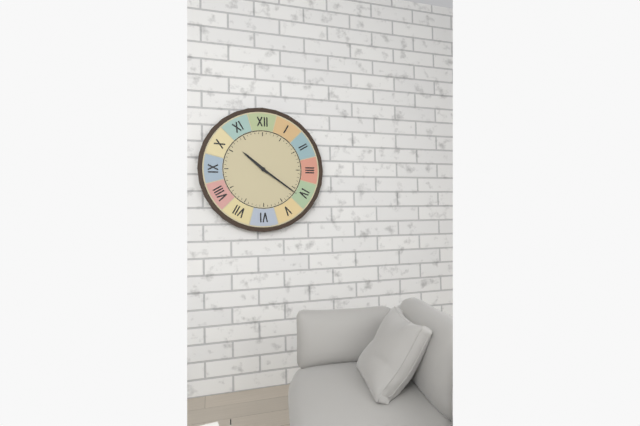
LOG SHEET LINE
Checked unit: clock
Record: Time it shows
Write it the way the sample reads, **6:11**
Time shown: **10:21**
